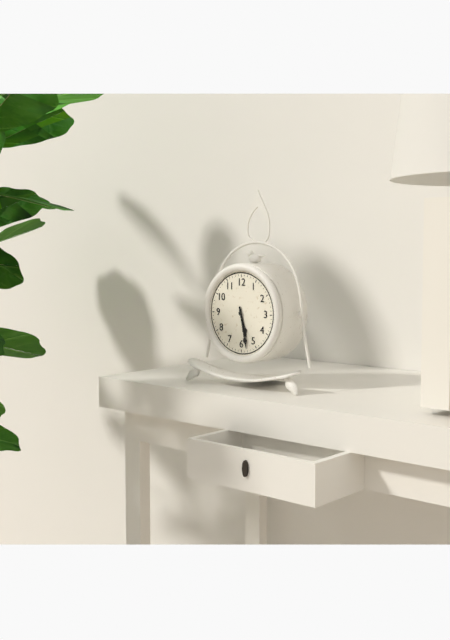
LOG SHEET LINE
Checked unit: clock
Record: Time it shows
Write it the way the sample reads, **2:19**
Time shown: **5:28**
